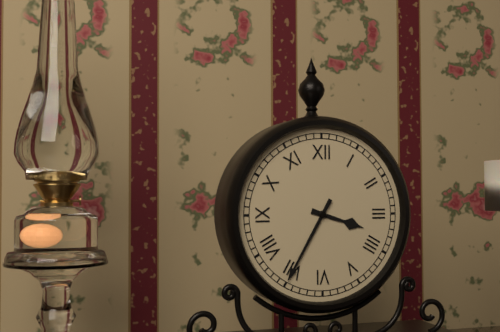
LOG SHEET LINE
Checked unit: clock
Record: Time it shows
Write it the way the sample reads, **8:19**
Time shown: **3:35**
